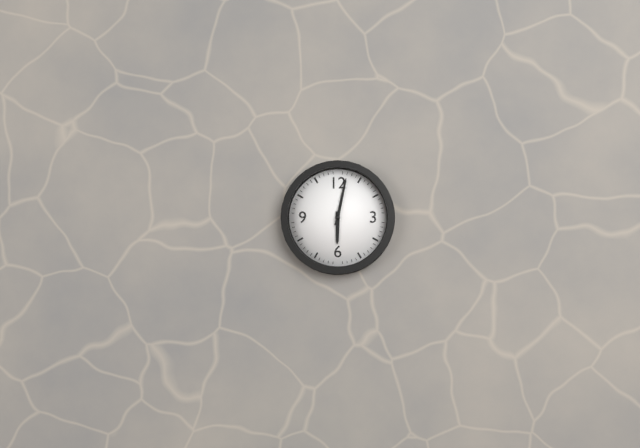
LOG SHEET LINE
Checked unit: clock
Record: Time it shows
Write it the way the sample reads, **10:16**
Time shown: **6:02**
